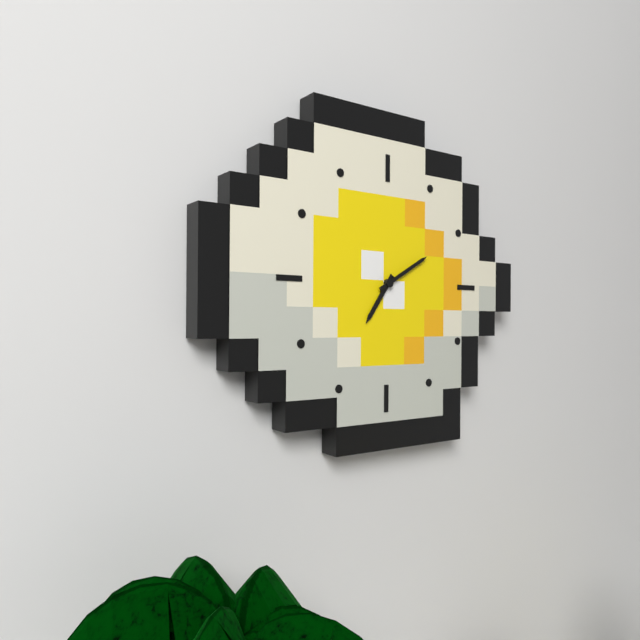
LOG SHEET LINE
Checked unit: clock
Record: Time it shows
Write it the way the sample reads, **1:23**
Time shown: **7:10**
